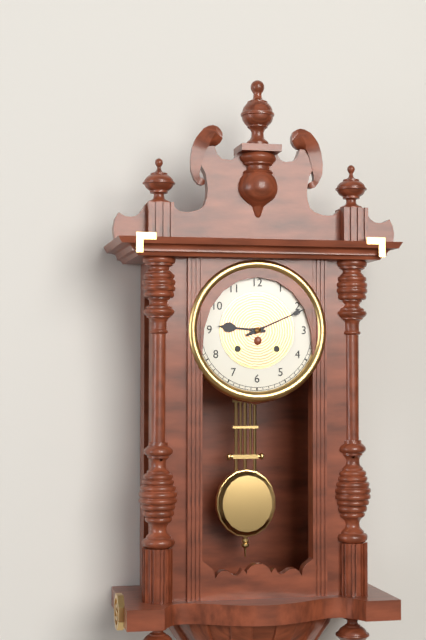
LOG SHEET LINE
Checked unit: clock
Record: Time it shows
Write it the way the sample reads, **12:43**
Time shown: **9:11**
